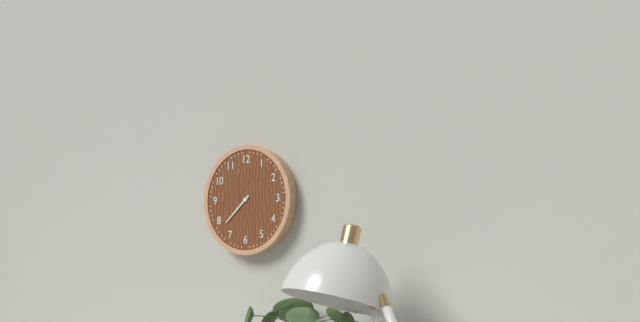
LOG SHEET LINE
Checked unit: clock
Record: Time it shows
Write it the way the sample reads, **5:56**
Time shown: **7:38**
